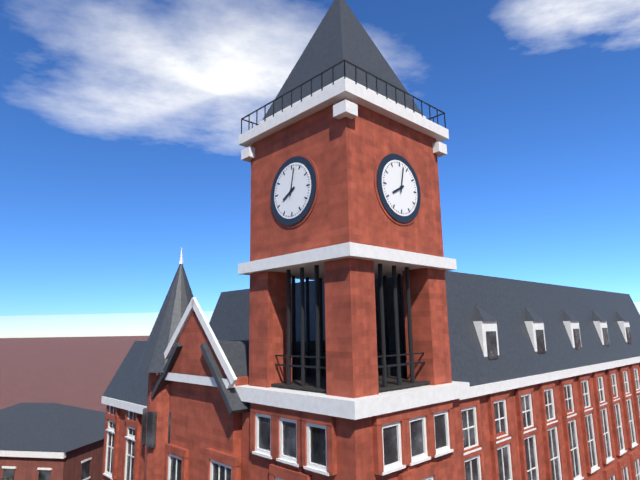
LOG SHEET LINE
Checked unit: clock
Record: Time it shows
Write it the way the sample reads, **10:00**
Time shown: **8:02**
